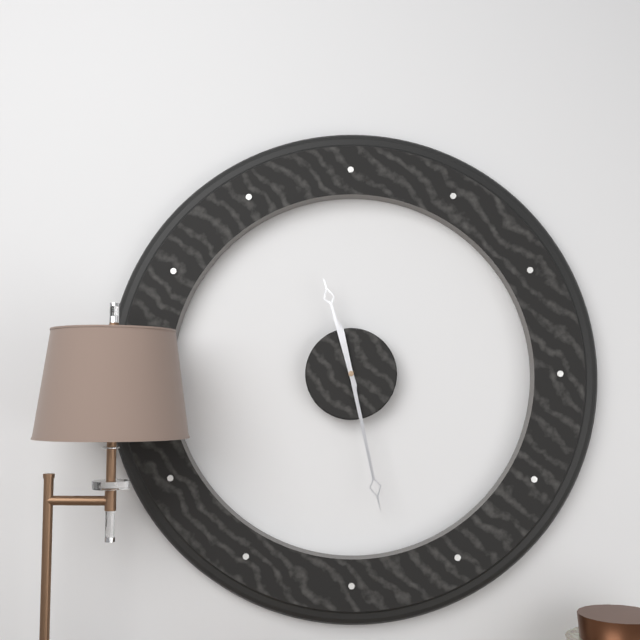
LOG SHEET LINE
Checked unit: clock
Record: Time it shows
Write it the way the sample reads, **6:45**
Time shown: **11:28**
